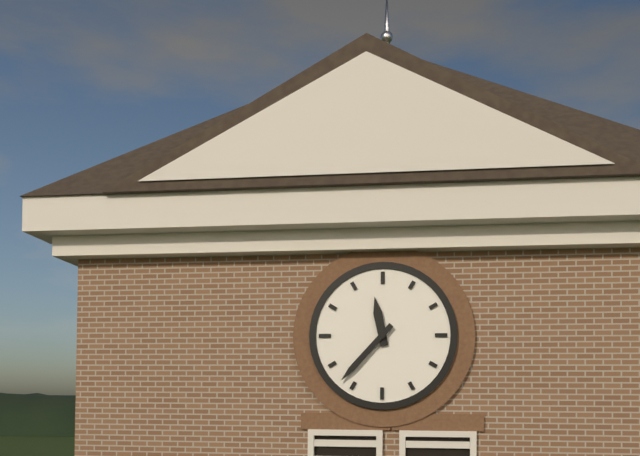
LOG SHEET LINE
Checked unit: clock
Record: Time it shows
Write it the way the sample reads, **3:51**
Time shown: **11:37**
